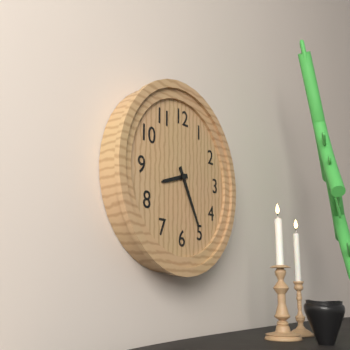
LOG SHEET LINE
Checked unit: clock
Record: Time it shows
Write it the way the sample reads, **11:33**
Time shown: **8:25**
